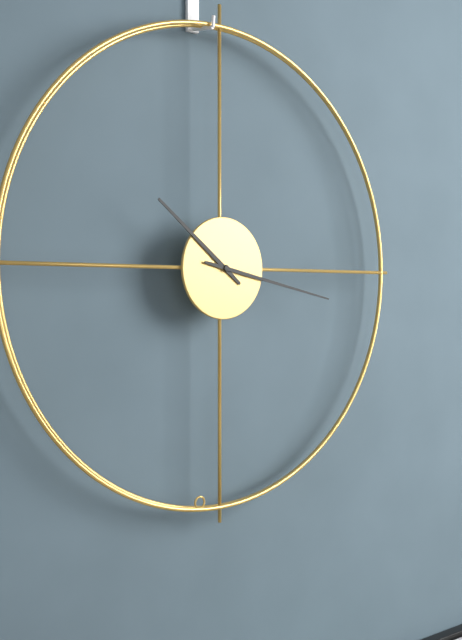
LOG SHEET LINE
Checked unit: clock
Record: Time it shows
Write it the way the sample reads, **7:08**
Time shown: **10:17**
